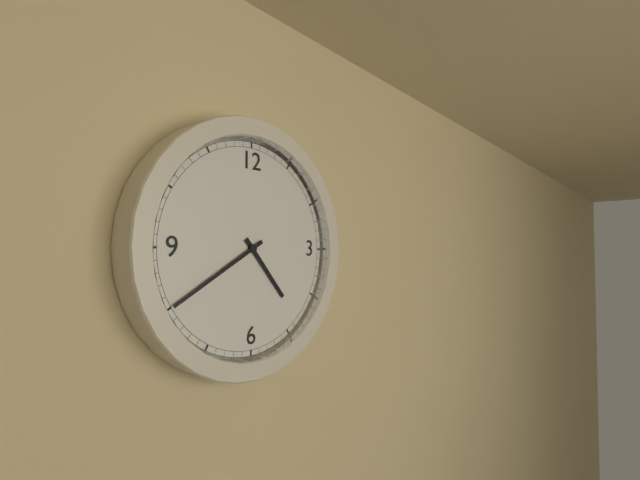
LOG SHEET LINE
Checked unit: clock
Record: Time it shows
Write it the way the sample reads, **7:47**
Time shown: **4:40**
